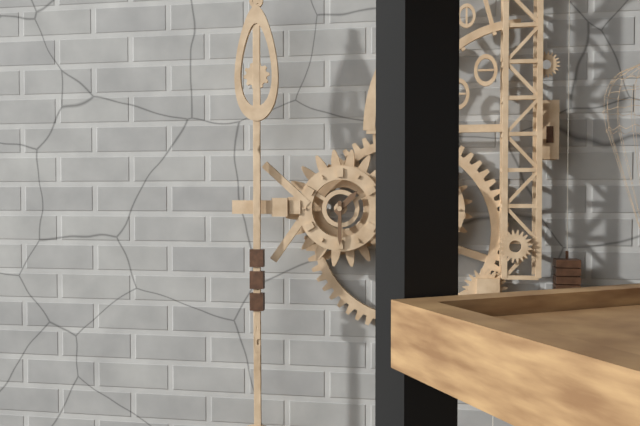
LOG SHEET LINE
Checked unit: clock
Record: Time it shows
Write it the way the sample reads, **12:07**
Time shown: **1:30**
